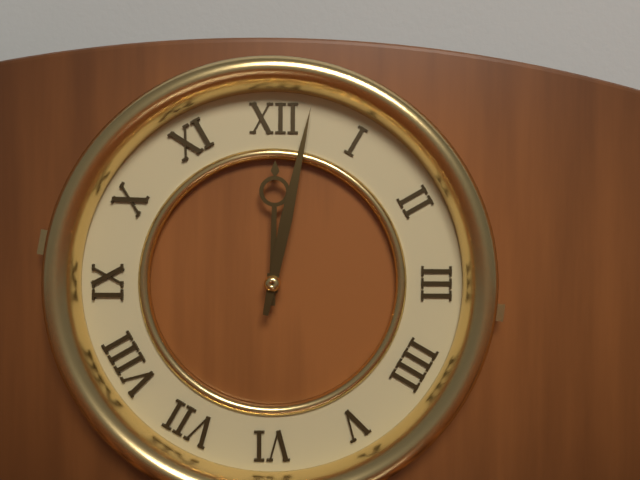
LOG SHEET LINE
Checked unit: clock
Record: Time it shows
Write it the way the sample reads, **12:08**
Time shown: **12:02**
